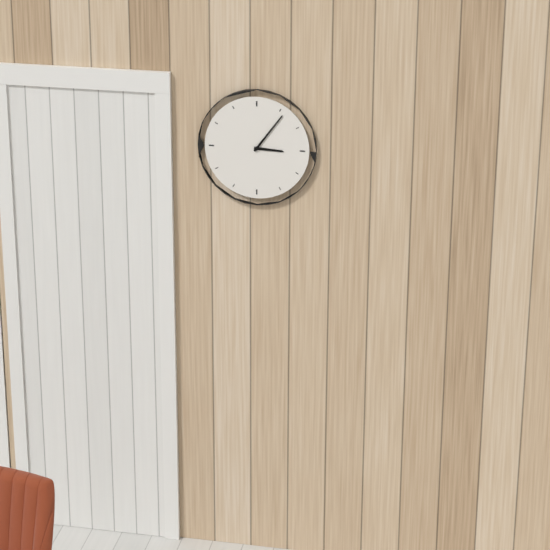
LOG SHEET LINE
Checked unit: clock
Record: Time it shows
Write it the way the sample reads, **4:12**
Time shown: **3:06**
